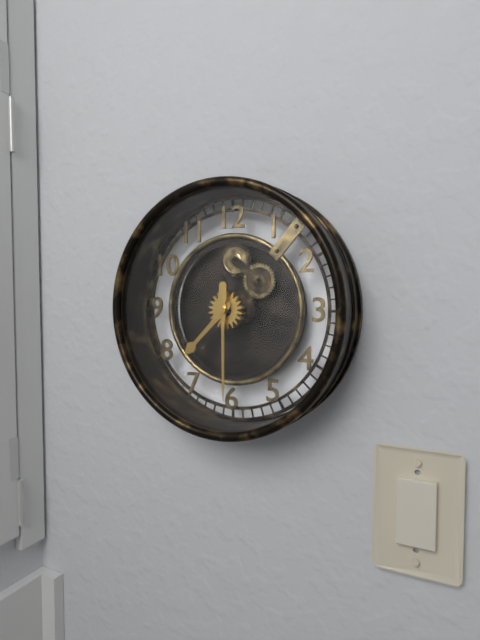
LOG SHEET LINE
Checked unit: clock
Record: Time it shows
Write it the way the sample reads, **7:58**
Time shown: **7:30**
